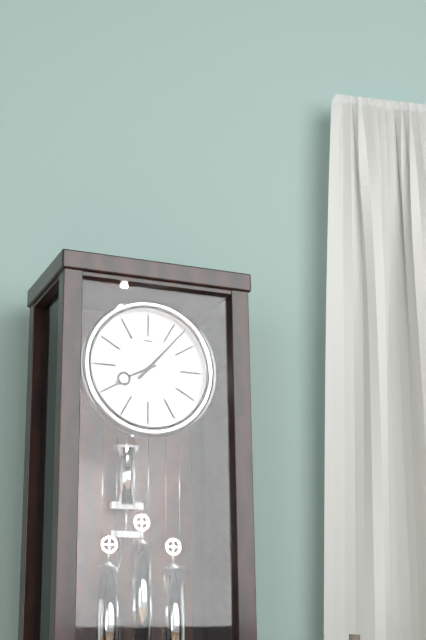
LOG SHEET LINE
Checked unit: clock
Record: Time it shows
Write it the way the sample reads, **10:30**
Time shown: **8:07**
